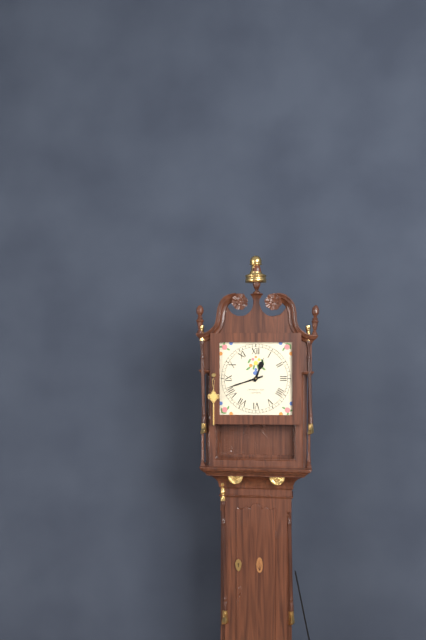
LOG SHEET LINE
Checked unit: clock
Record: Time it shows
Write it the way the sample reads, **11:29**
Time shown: **12:42**
